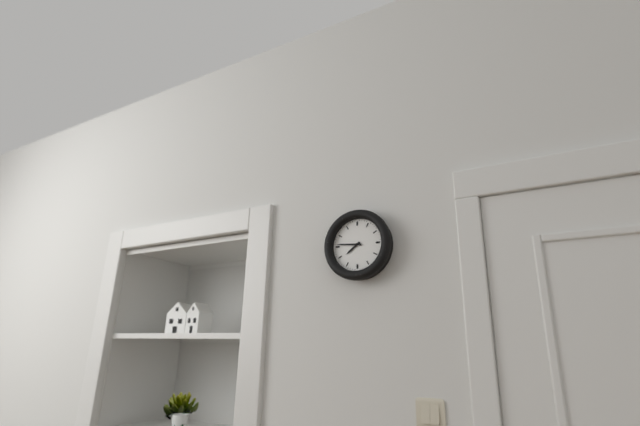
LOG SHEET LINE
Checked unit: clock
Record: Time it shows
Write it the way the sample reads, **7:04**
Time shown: **7:46**
